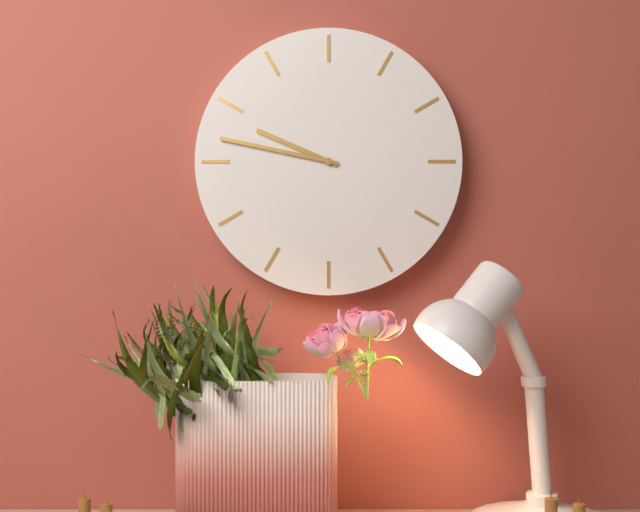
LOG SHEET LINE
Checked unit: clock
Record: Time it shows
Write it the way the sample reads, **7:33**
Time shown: **9:47**
